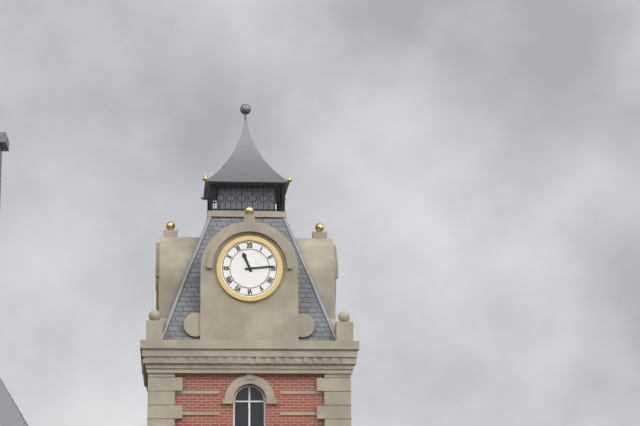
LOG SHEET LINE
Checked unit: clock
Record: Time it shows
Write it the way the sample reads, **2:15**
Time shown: **11:14**
